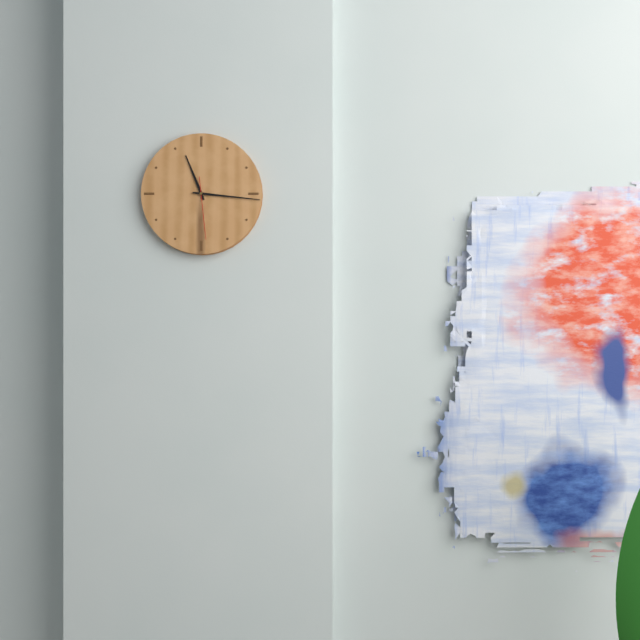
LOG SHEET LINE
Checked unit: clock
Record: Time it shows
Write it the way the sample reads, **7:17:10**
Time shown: **11:16:29**
